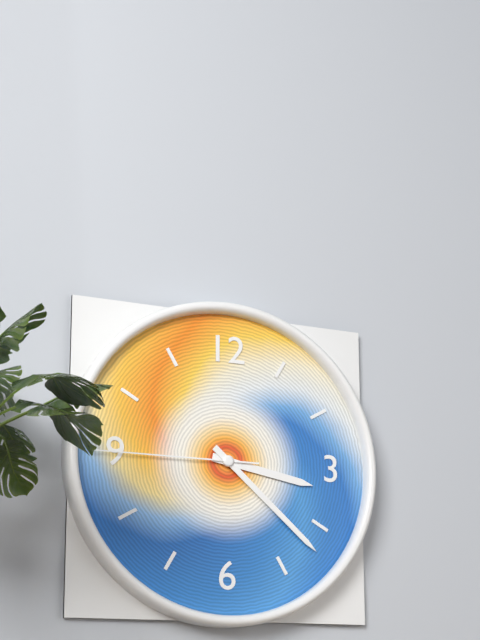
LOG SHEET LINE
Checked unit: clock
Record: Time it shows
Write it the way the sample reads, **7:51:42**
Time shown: **3:22:45**
